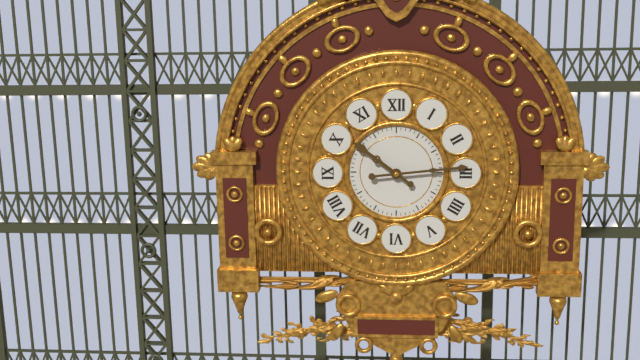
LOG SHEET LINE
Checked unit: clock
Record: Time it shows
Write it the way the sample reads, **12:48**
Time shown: **10:14**
